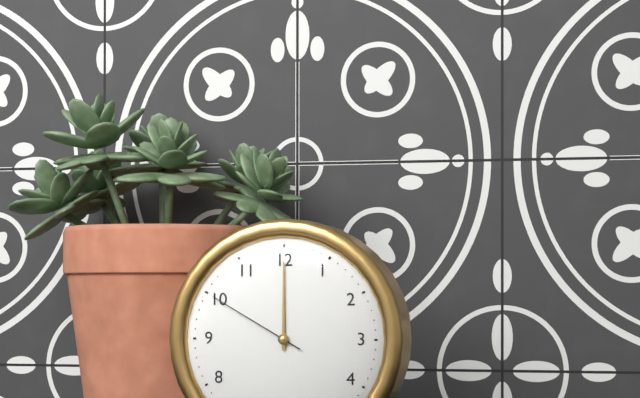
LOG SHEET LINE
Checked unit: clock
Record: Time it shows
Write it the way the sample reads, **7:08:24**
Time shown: **12:00:50**
